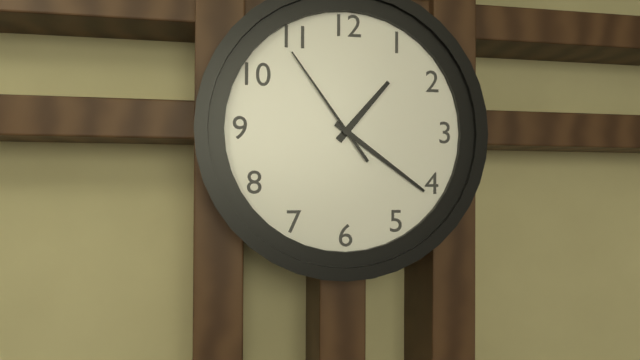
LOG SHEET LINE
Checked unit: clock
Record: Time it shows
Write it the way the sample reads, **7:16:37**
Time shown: **1:21:54**
